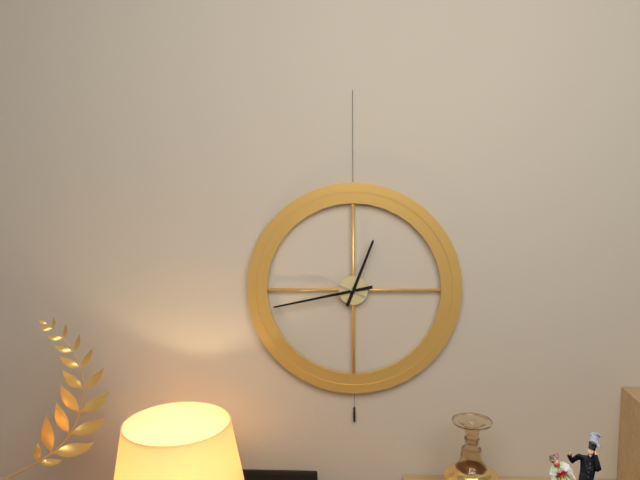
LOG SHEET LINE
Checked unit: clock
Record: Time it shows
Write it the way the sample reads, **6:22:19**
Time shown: **12:43:49**
